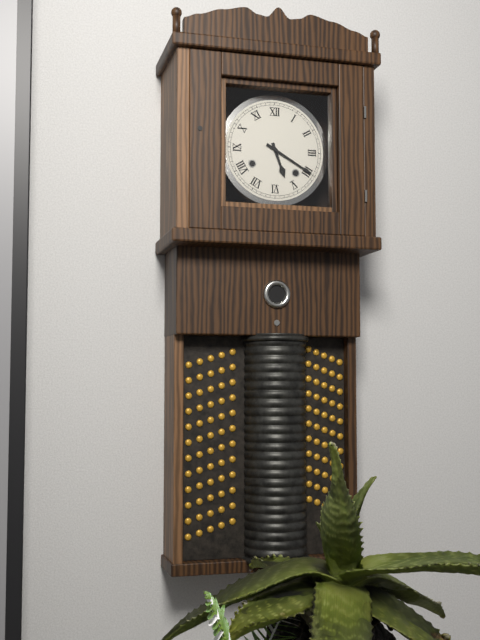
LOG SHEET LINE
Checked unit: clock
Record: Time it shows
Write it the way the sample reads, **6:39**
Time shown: **5:20**
